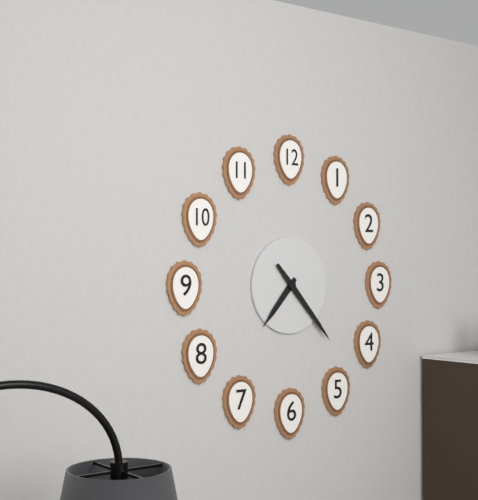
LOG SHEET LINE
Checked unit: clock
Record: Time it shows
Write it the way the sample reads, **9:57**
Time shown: **7:23**
